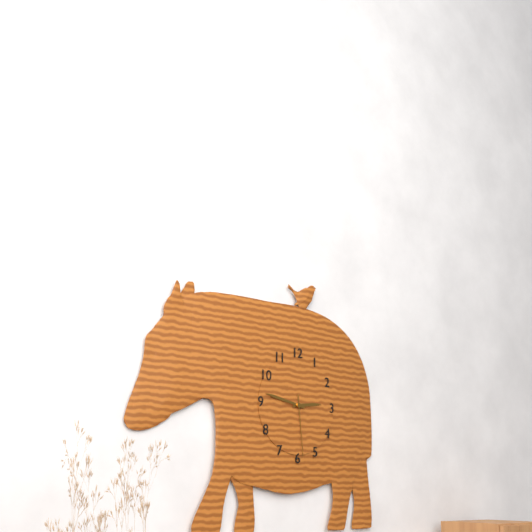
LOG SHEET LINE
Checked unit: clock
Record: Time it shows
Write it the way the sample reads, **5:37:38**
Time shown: **2:47:29**
